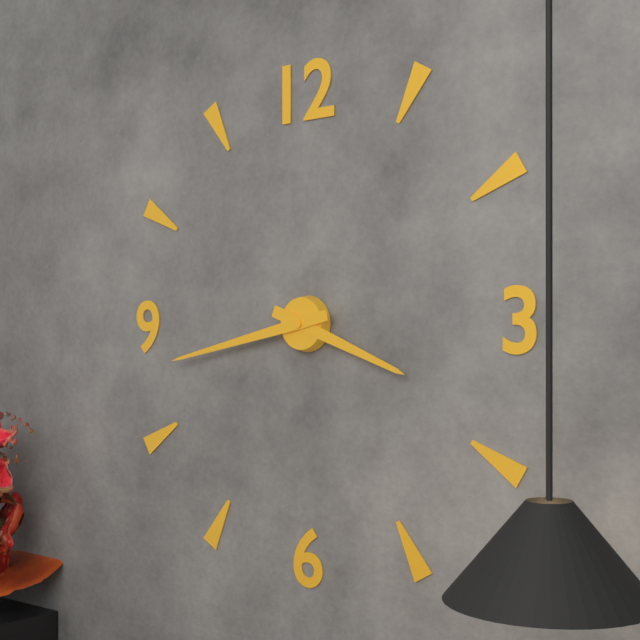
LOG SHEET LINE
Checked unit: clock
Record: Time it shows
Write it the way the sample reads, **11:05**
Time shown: **3:43**
